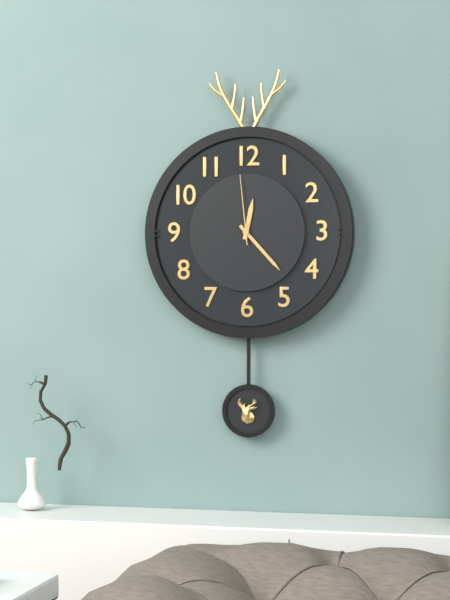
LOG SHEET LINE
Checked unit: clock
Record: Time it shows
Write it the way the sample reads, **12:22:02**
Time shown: **12:23:59**
